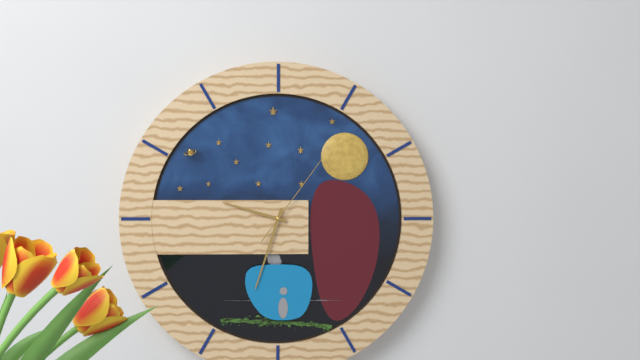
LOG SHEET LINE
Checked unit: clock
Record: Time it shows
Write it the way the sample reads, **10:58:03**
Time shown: **9:33:06**
